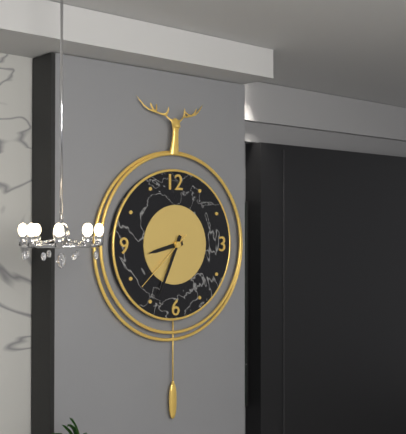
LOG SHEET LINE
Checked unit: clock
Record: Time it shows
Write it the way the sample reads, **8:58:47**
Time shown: **8:34:38**
